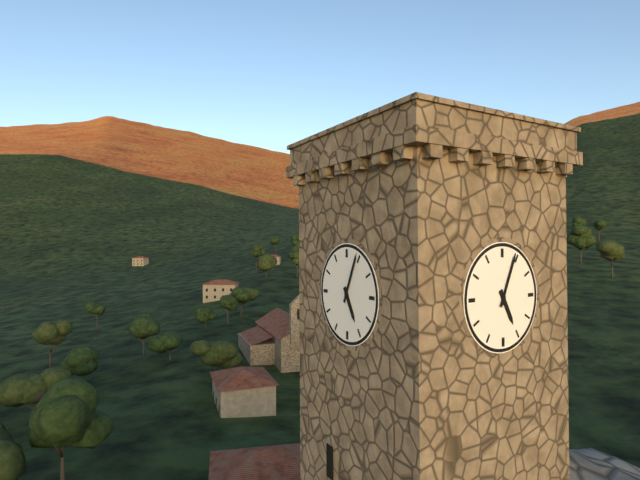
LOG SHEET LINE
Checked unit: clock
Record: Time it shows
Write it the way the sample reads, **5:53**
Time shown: **5:04**
